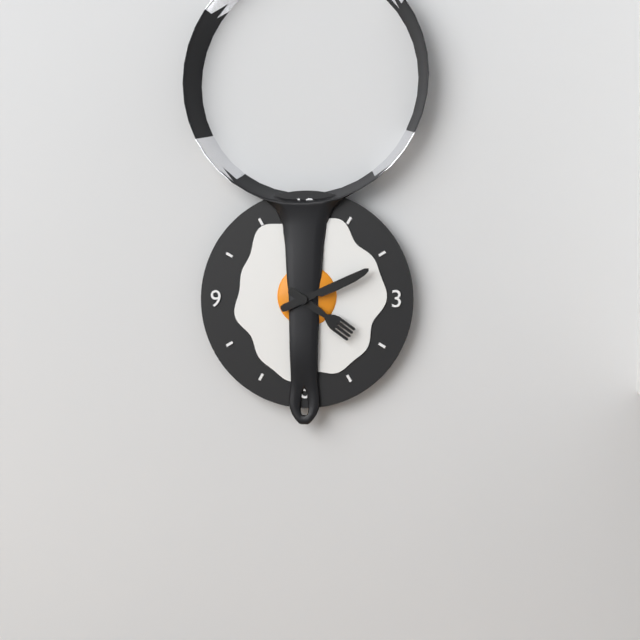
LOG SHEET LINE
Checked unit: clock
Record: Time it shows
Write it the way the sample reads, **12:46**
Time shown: **4:11**
